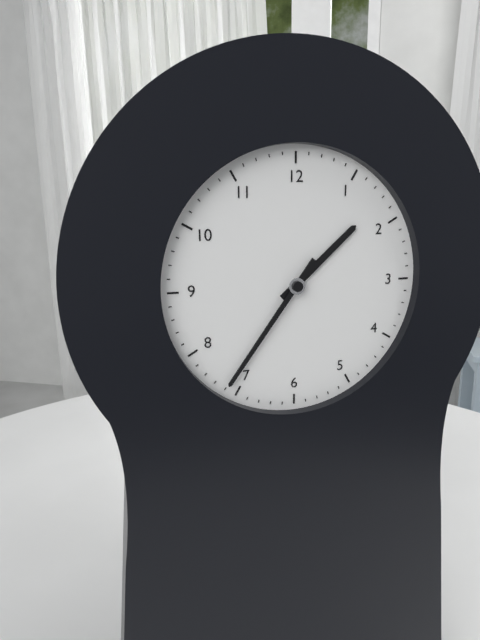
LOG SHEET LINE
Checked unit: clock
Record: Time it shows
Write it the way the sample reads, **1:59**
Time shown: **1:36**
